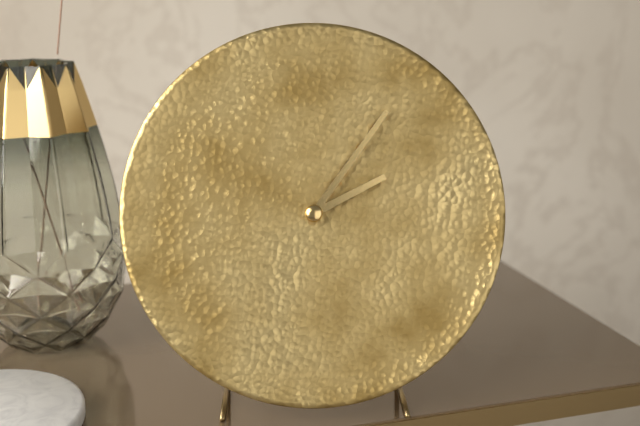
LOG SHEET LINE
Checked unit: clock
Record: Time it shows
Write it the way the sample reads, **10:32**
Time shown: **2:06**
